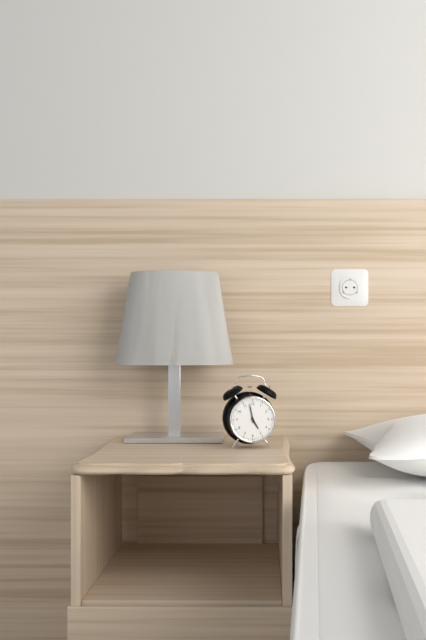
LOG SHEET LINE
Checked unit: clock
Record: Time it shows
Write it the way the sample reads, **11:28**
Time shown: **4:58**
